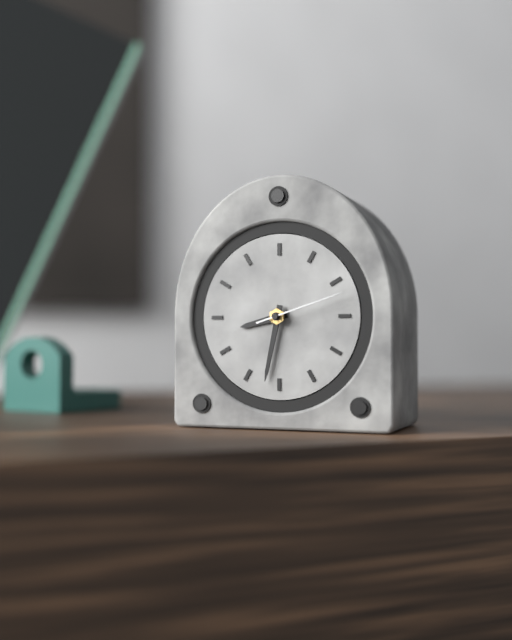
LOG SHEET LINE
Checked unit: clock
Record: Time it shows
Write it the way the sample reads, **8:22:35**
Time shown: **8:32:12**
